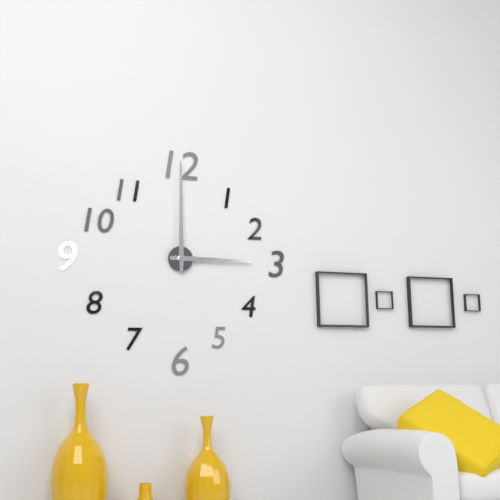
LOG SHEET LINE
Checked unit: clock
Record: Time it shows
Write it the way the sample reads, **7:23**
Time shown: **3:00**
